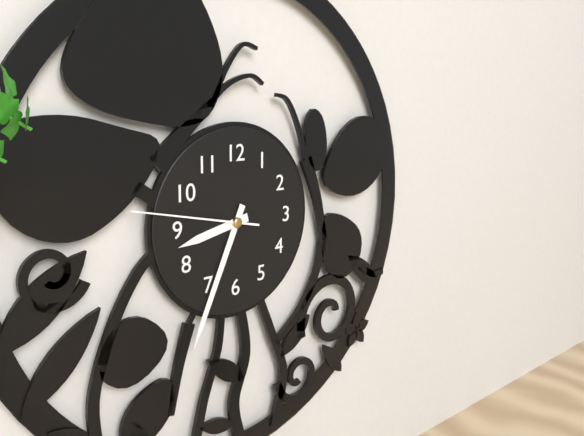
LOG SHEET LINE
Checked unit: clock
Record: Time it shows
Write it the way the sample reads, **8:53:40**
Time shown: **8:34:47**
